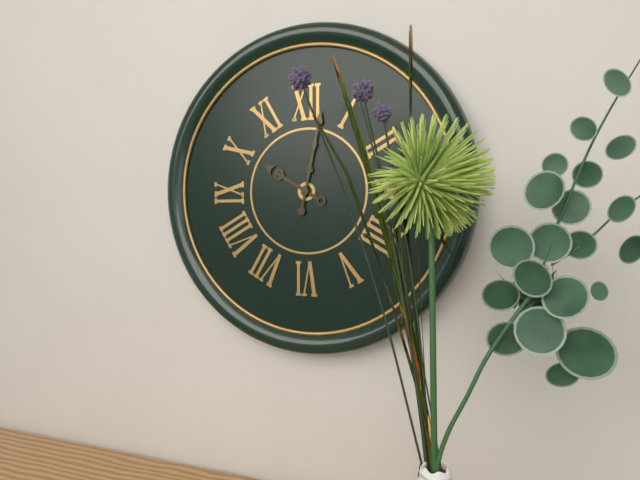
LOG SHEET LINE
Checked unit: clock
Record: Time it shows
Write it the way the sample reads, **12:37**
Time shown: **10:02**
